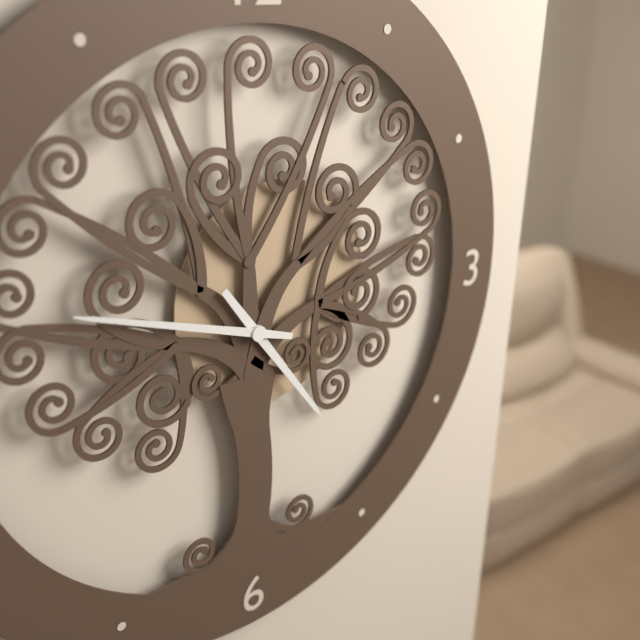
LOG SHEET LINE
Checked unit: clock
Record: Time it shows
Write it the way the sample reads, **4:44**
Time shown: **4:48**
